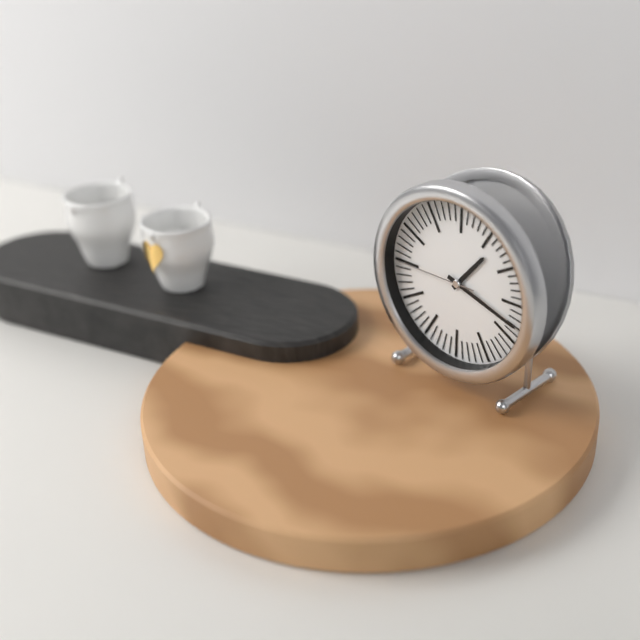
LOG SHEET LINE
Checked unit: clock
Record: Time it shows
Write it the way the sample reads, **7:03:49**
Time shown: **1:18:45**
